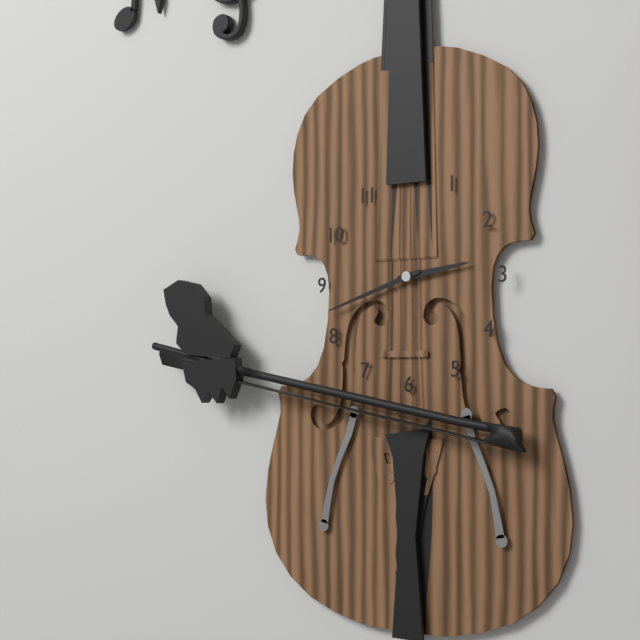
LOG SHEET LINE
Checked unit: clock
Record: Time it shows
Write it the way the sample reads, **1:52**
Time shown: **2:42**
